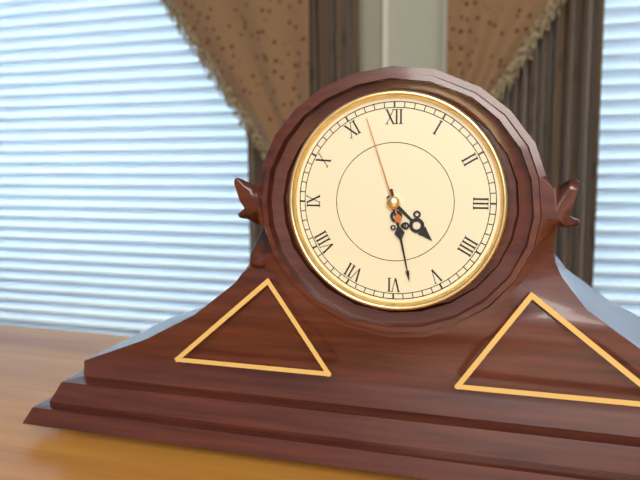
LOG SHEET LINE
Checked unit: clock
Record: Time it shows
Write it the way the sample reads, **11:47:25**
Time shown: **4:28:57**
